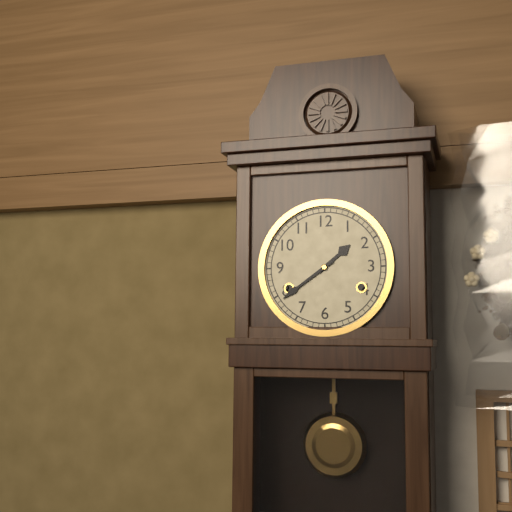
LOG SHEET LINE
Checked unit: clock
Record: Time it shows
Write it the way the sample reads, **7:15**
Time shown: **1:39**
